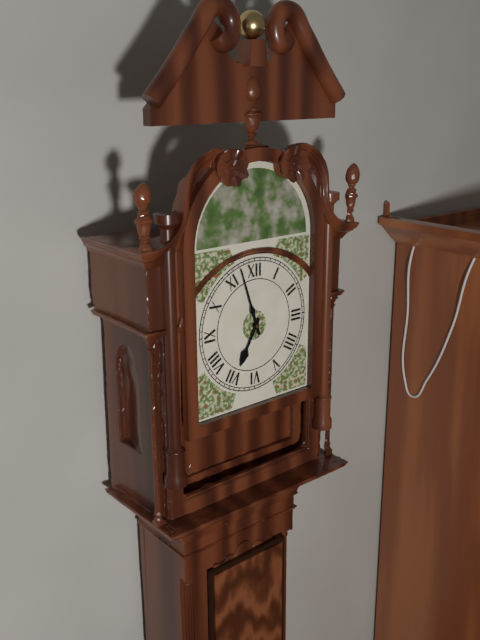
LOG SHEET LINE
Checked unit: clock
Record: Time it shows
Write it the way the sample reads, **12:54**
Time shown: **6:57**
